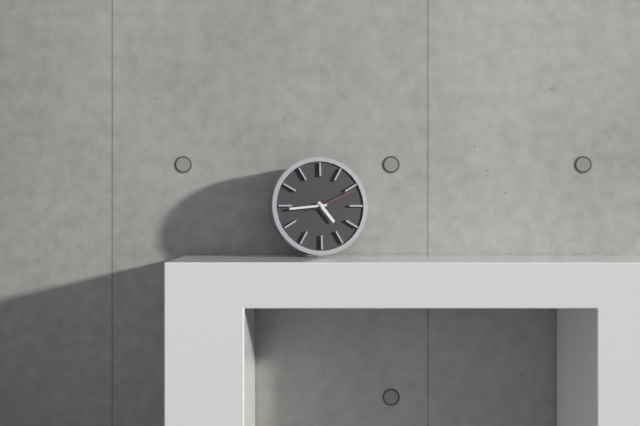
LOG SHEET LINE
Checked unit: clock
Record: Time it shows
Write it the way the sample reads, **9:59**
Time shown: **4:44**
